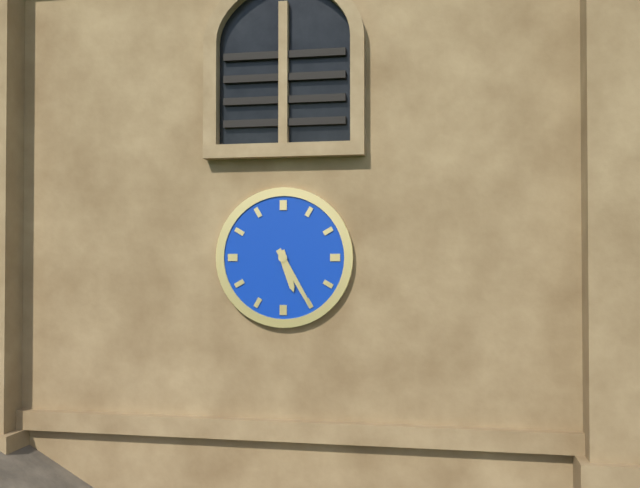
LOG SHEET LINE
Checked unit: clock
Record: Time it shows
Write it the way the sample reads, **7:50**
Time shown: **5:25**
